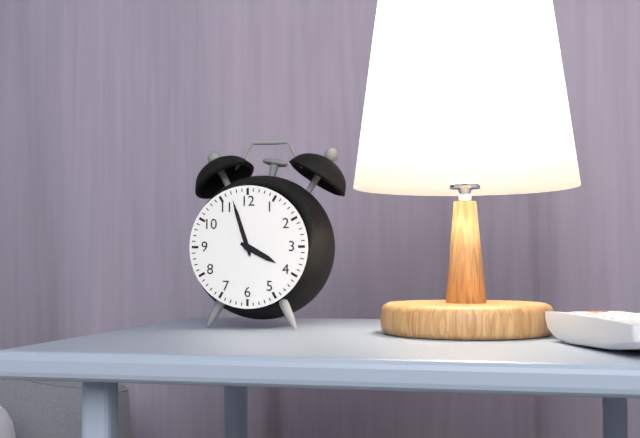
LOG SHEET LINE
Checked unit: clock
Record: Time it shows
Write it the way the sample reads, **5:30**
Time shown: **3:57**
